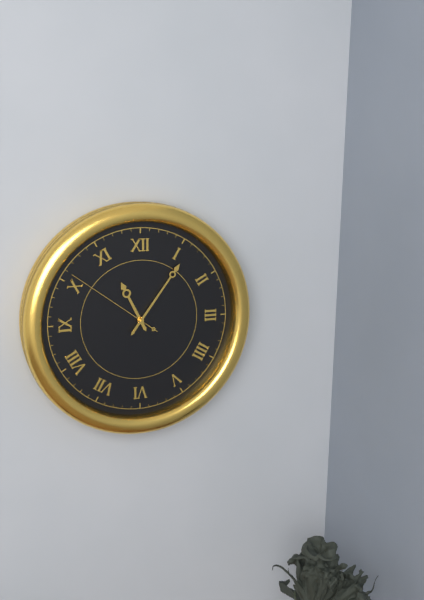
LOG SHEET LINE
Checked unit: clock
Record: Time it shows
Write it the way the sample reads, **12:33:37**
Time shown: **11:06:51**
